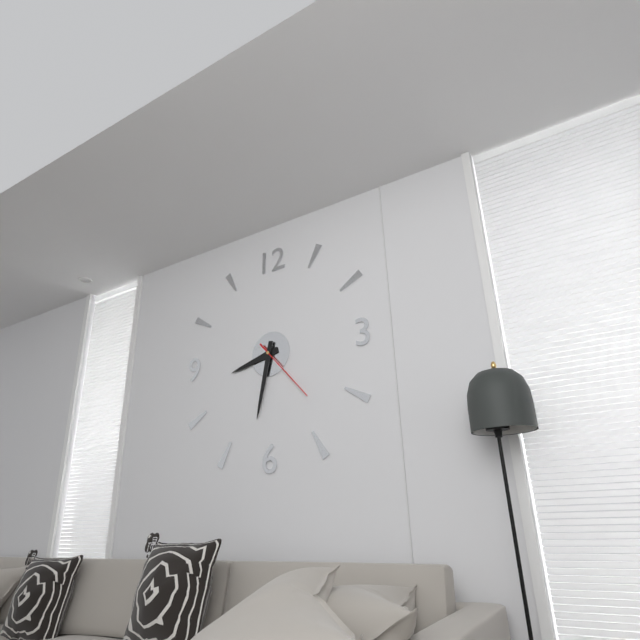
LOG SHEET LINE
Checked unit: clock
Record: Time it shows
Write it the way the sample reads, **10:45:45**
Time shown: **8:32:23**
